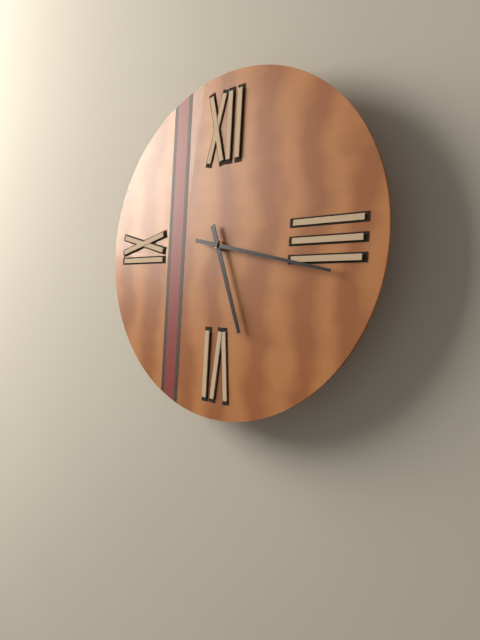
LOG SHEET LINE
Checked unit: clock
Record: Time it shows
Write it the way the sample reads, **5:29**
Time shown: **5:17**
